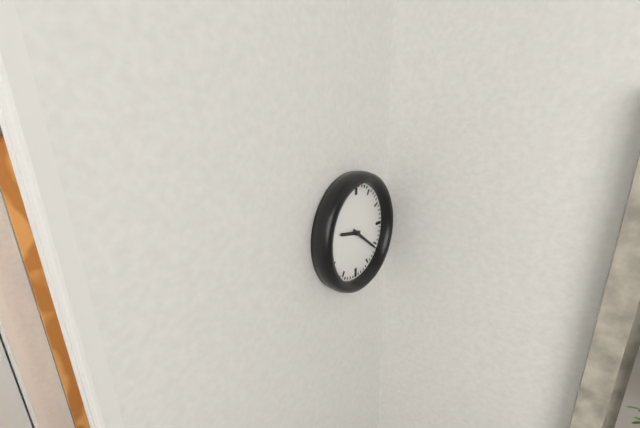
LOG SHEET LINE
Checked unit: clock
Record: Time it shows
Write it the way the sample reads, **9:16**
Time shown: **9:21**
